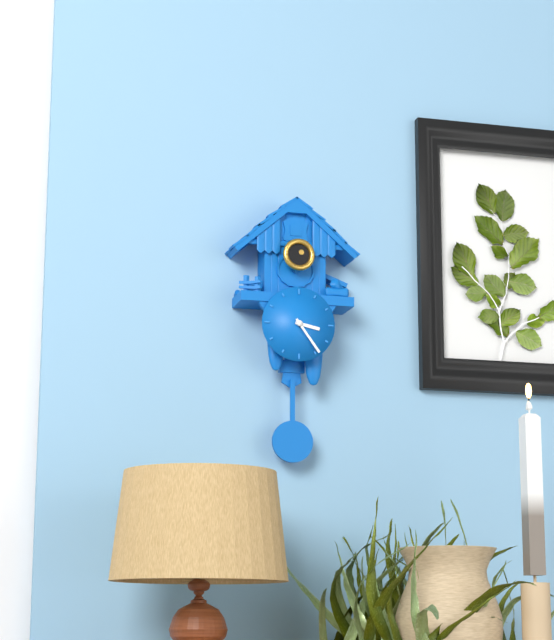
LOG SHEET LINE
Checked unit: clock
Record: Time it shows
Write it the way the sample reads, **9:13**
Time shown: **3:24**
